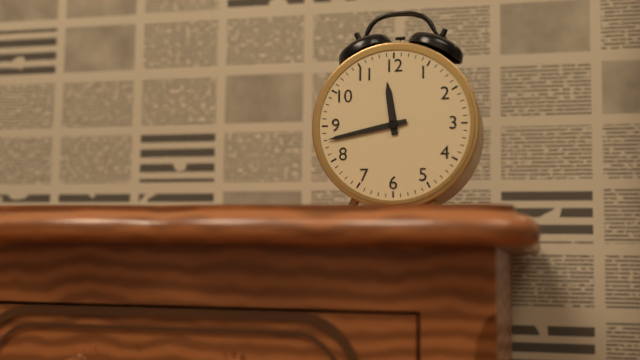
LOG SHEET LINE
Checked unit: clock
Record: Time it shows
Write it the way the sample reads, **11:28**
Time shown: **11:43**
